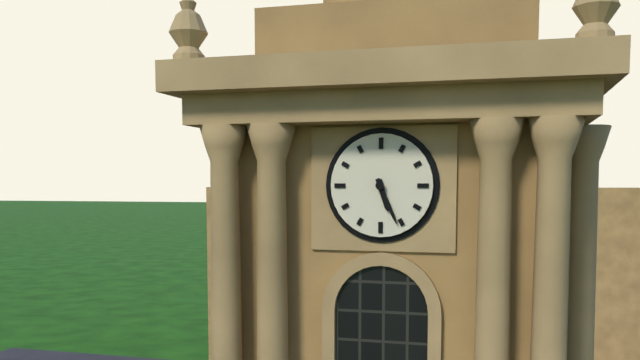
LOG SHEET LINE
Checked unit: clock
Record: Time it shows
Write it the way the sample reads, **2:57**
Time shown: **5:26**
